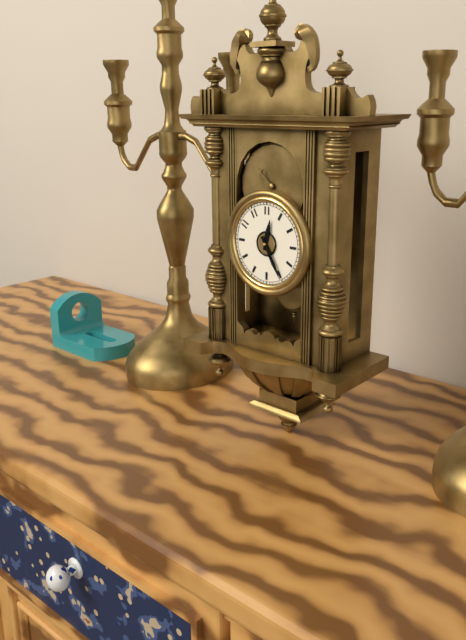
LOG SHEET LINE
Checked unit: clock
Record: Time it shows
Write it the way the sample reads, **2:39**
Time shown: **12:25**
